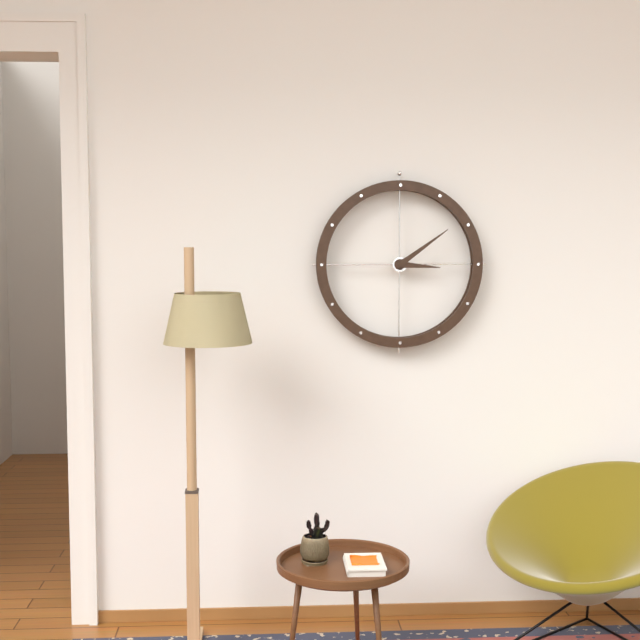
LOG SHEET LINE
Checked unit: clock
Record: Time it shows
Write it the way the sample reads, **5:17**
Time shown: **3:09**
